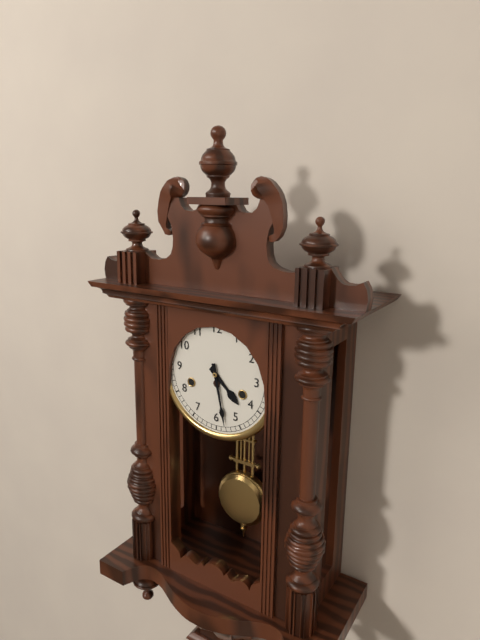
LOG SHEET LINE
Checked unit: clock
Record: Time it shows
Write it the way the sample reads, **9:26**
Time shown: **4:28**
